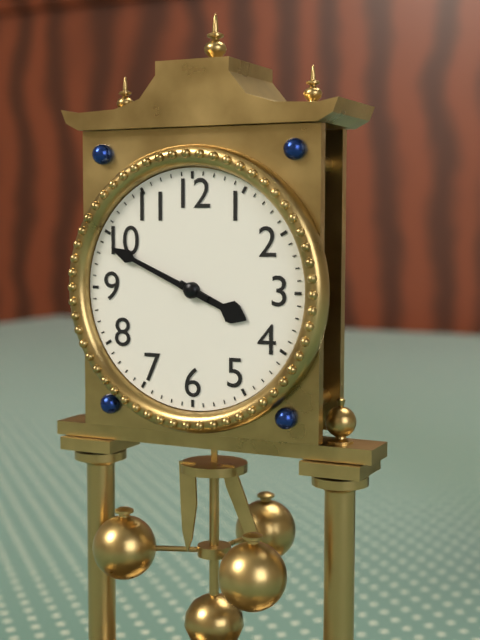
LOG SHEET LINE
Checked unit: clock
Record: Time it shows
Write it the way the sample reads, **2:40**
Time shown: **3:49**
